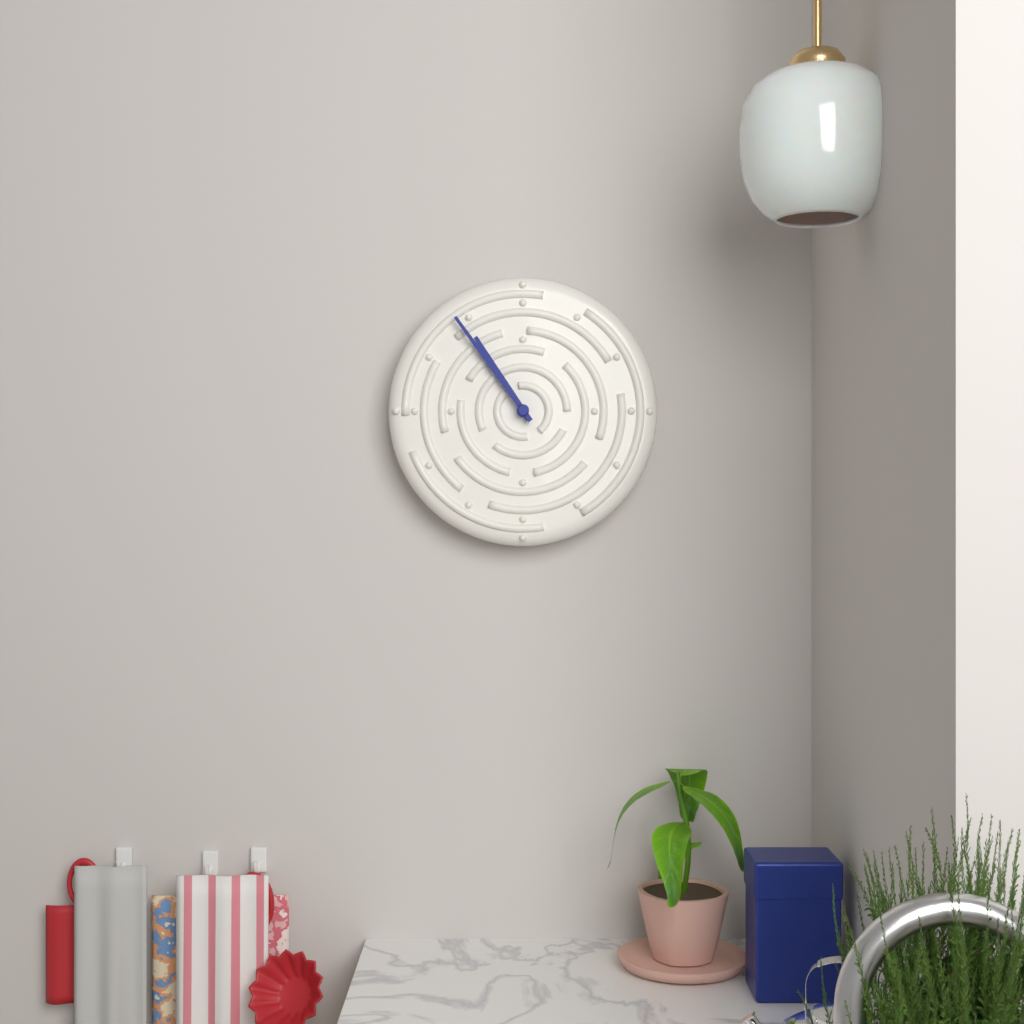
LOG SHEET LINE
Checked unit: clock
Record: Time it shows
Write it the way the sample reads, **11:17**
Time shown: **10:54**
